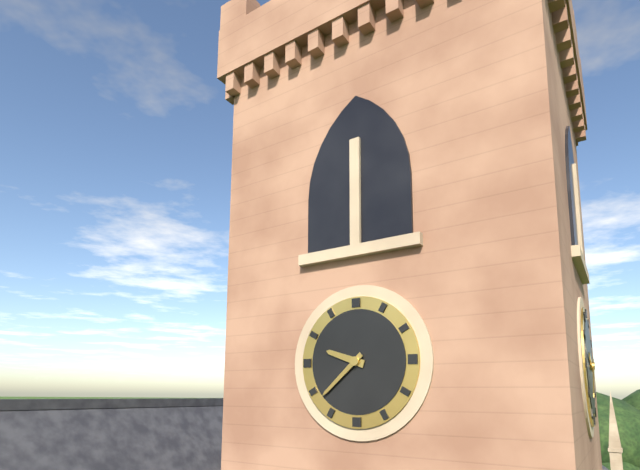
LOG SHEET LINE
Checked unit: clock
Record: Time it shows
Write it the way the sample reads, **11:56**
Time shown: **9:38**
